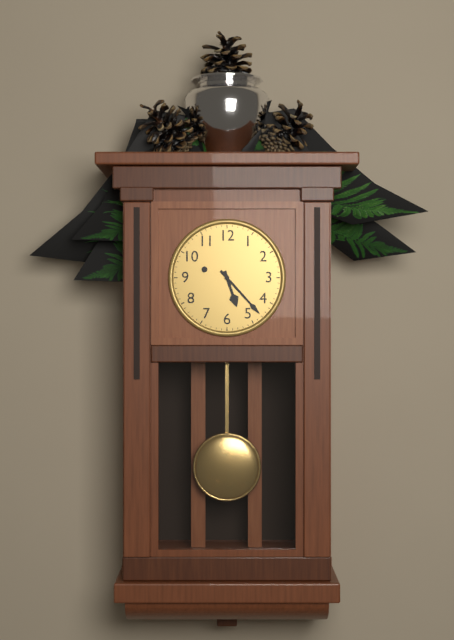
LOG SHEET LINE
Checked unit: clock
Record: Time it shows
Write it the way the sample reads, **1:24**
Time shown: **5:23**
